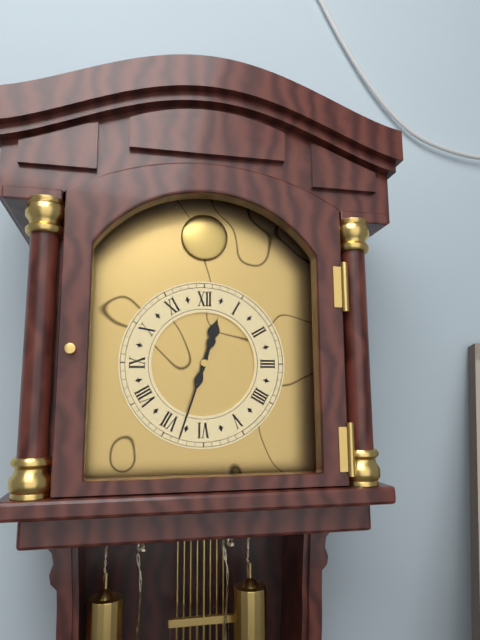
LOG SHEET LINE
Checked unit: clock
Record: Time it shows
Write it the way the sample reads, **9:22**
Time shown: **12:33**
